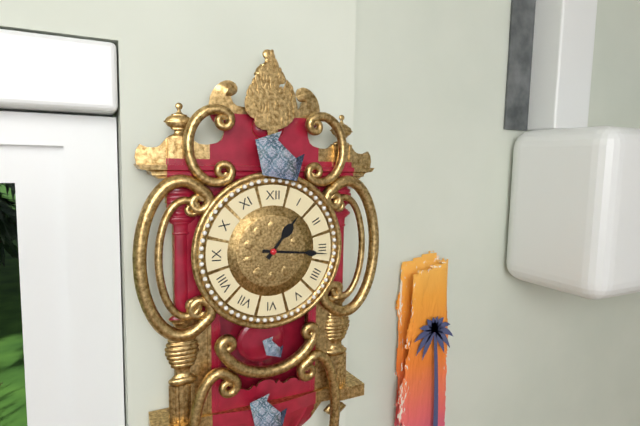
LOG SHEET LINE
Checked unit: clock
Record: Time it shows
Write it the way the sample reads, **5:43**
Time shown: **1:16**
